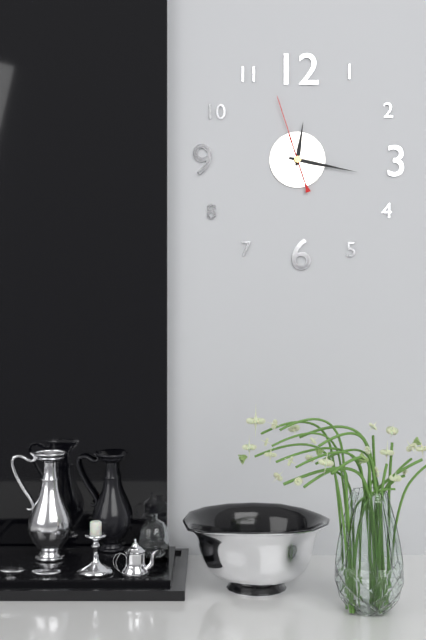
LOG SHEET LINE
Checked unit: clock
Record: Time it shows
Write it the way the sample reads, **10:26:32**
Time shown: **12:17:57**
